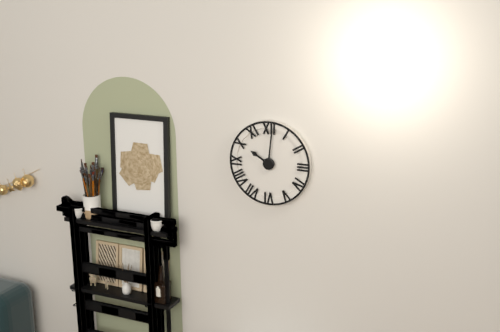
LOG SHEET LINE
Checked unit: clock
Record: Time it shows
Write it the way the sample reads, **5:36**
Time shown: **10:01**
